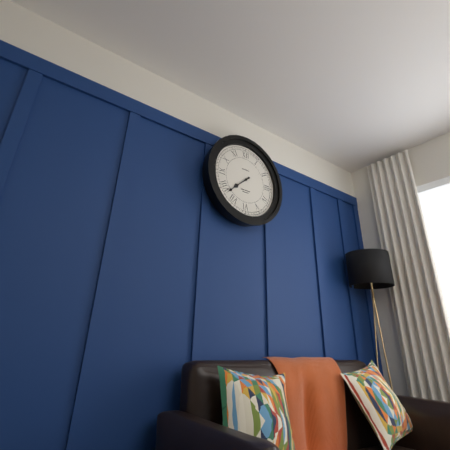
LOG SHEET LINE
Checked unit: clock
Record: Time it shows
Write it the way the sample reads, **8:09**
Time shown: **7:38**
